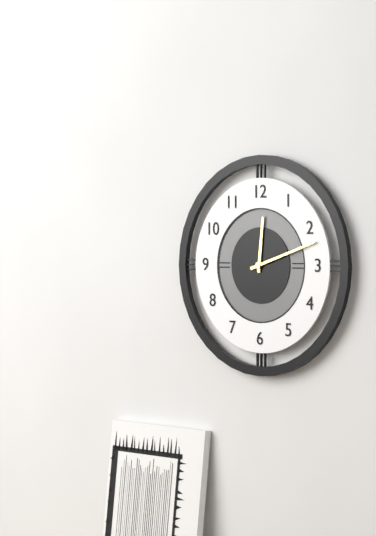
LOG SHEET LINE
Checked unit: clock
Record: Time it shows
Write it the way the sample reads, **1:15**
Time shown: **12:12**
